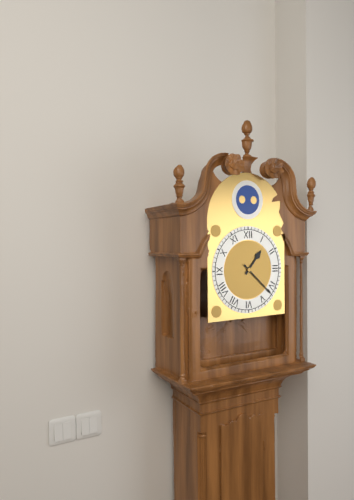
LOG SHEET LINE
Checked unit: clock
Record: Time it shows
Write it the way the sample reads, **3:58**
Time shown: **1:22**
